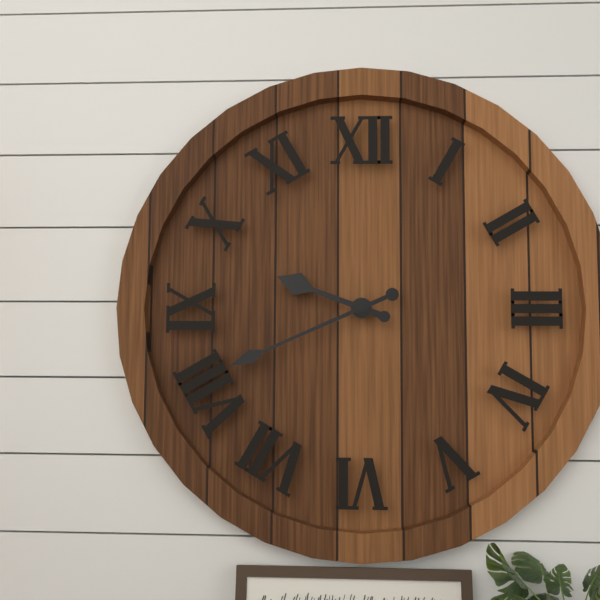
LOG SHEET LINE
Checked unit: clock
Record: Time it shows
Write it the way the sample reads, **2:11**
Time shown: **9:41**
